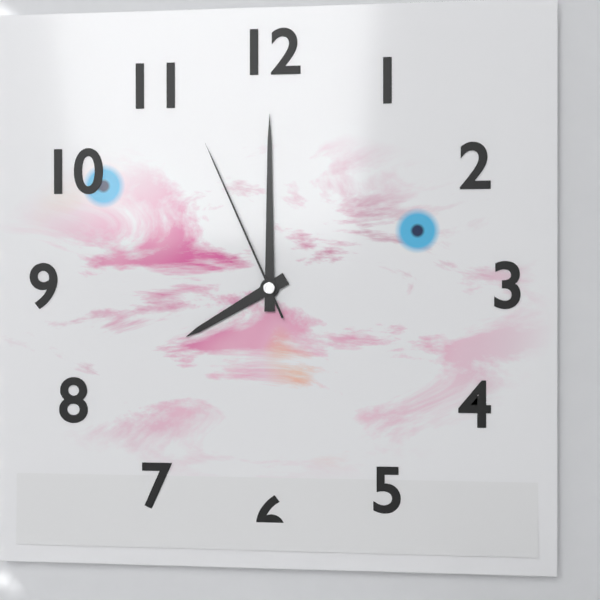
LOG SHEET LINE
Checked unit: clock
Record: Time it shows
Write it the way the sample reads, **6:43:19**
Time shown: **8:00:56**
